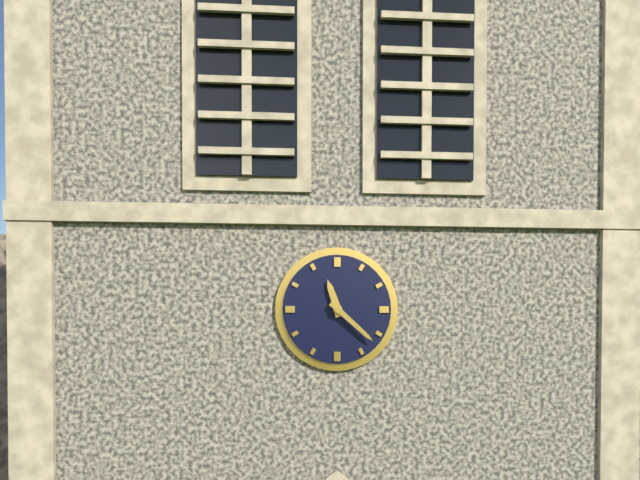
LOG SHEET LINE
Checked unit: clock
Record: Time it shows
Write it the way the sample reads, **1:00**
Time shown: **11:22**
